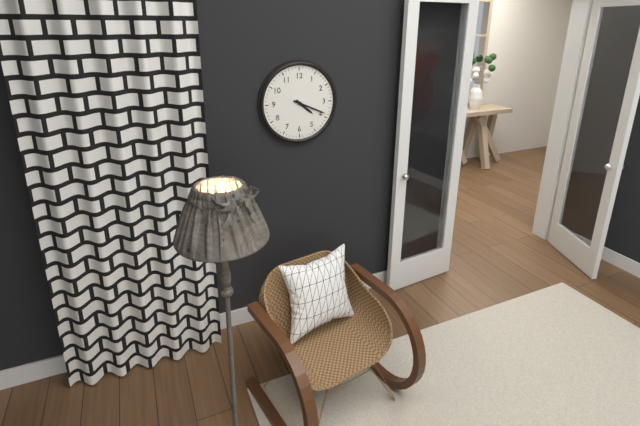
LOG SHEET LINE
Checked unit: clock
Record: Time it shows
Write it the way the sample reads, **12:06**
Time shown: **4:19**
